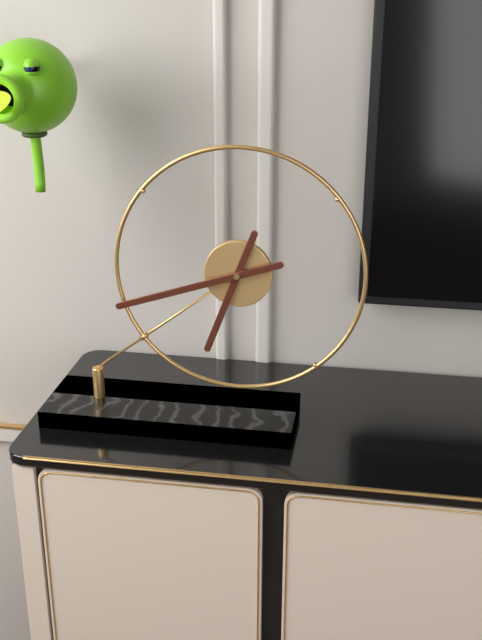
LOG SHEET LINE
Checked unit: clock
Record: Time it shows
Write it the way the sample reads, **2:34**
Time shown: **6:42**
